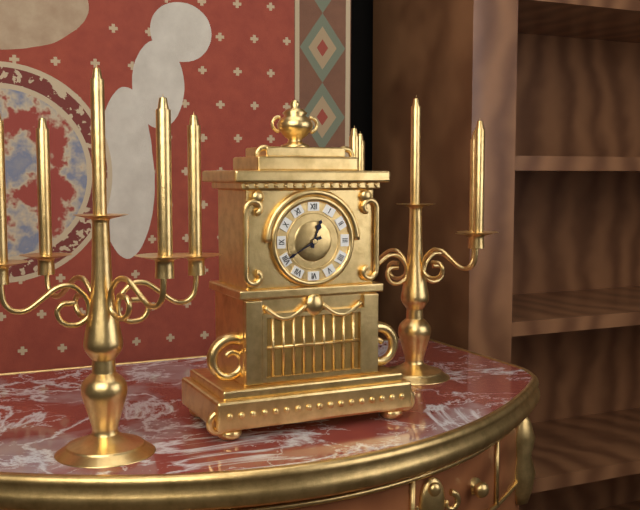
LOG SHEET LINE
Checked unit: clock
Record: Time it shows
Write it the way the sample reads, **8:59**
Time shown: **12:40**
